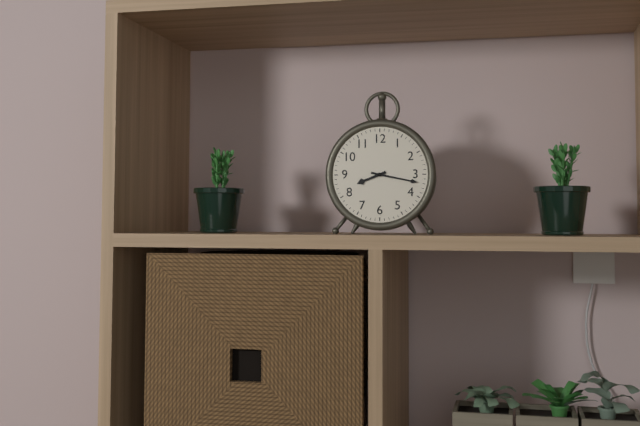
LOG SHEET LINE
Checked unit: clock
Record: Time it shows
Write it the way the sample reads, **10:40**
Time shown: **8:17**
